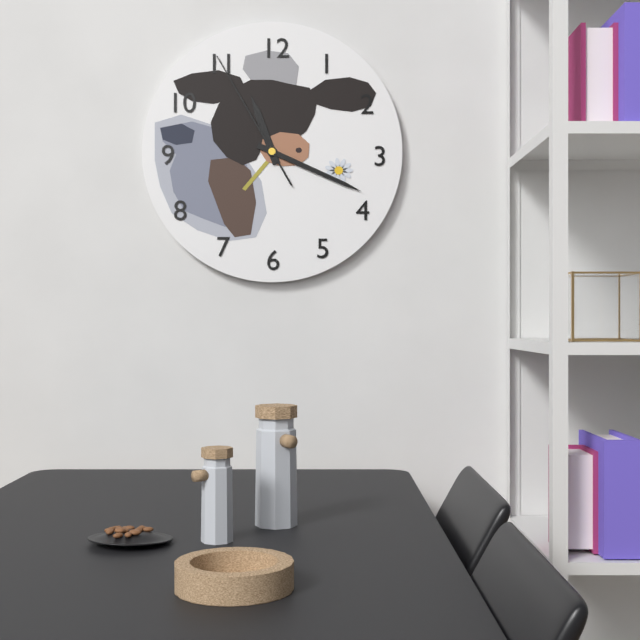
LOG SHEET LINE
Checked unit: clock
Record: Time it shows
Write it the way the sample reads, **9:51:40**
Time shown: **11:19:55**
